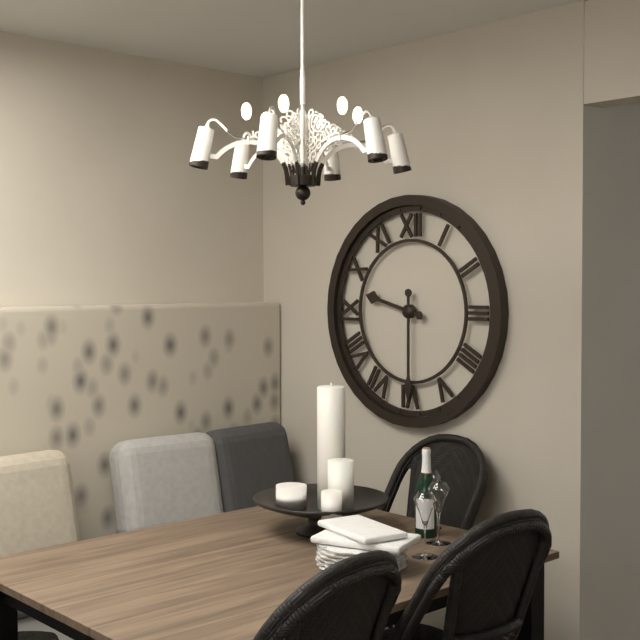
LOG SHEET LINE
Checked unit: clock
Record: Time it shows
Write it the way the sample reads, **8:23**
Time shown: **9:30**
